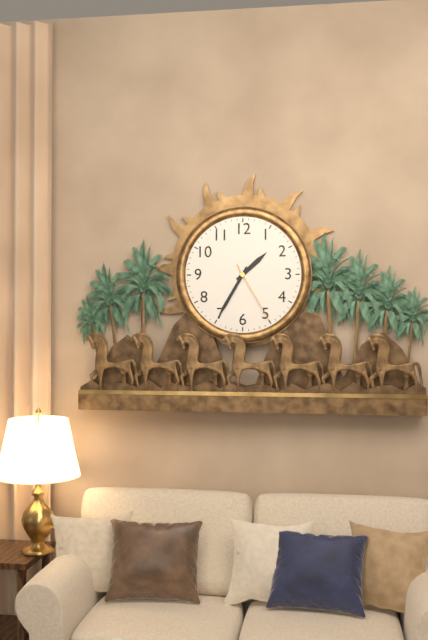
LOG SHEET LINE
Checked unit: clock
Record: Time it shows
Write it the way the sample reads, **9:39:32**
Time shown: **1:35:25**
